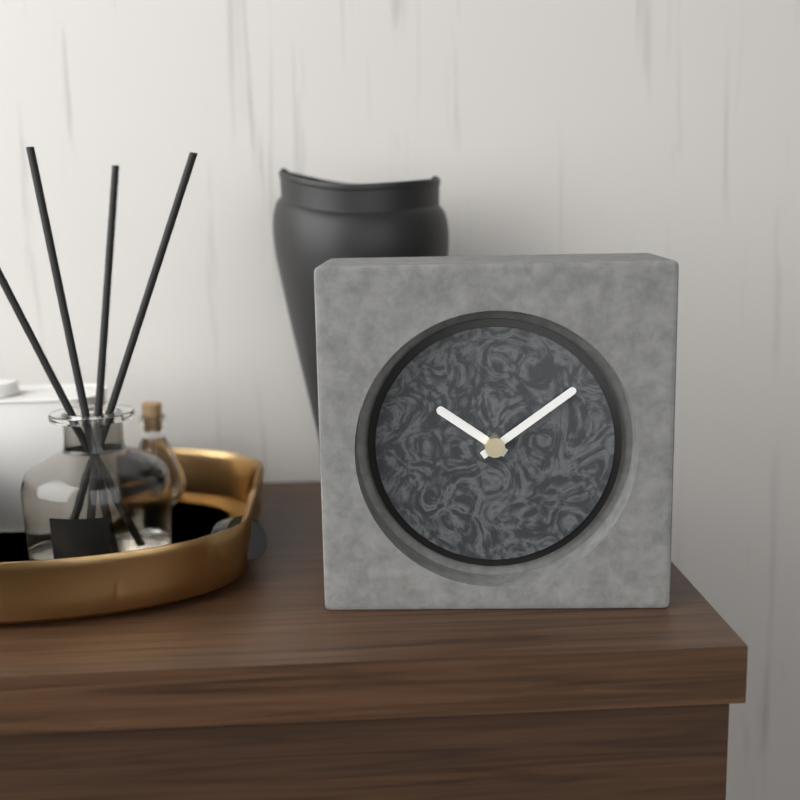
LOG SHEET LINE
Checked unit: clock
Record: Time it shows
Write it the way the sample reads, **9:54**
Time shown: **10:09**
